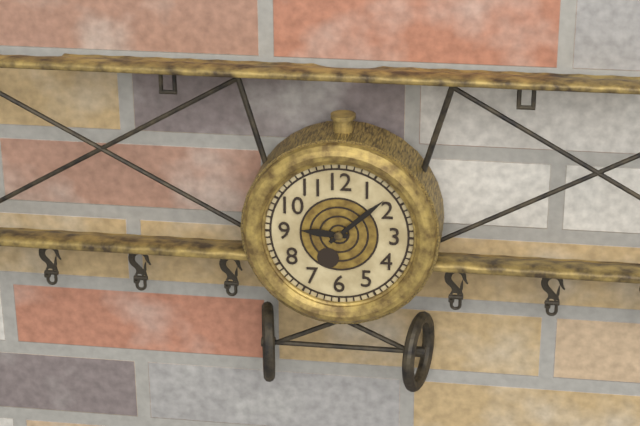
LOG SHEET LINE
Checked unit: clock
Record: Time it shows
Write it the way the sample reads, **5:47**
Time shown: **9:08**
